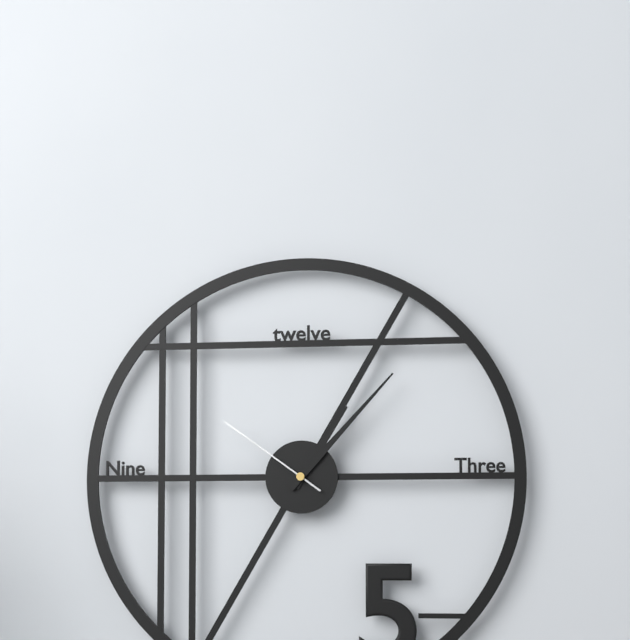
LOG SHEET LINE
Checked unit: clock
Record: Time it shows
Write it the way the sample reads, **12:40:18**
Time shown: **1:07:51**
